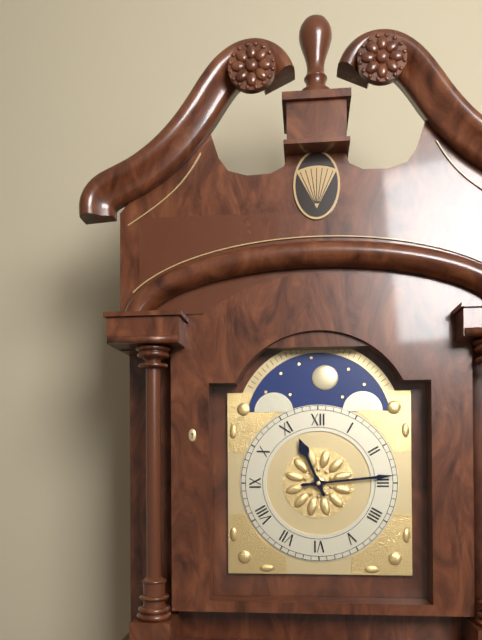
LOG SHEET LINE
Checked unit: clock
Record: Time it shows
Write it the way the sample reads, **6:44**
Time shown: **11:14**
